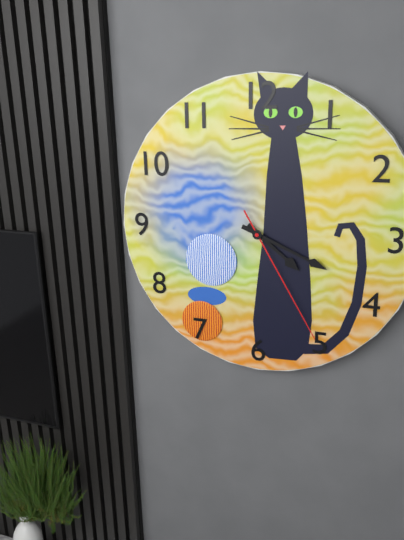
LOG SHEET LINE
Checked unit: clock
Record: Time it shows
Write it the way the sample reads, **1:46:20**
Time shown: **4:19:25**
